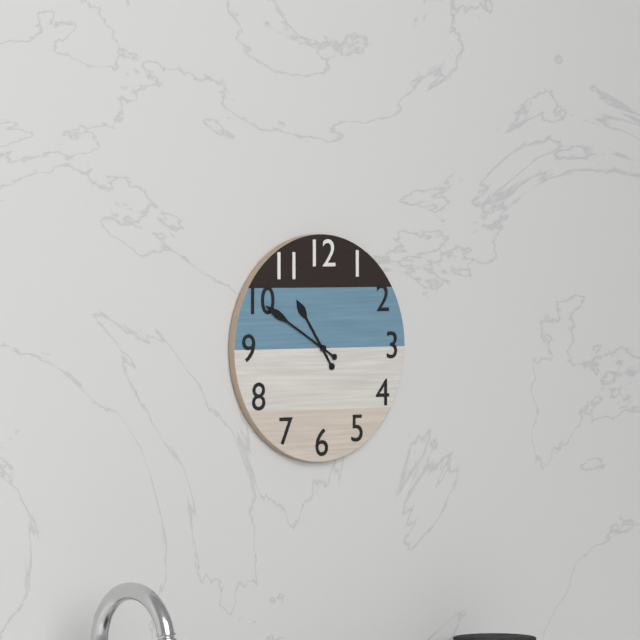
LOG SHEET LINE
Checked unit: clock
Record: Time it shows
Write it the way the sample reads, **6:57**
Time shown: **10:50**
